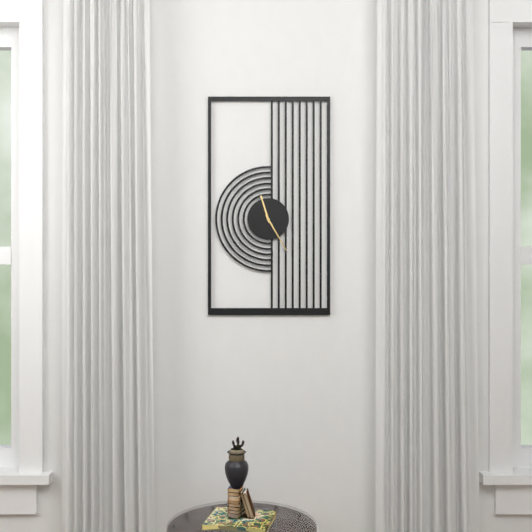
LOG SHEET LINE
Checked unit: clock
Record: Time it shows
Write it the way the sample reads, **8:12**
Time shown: **11:25**
